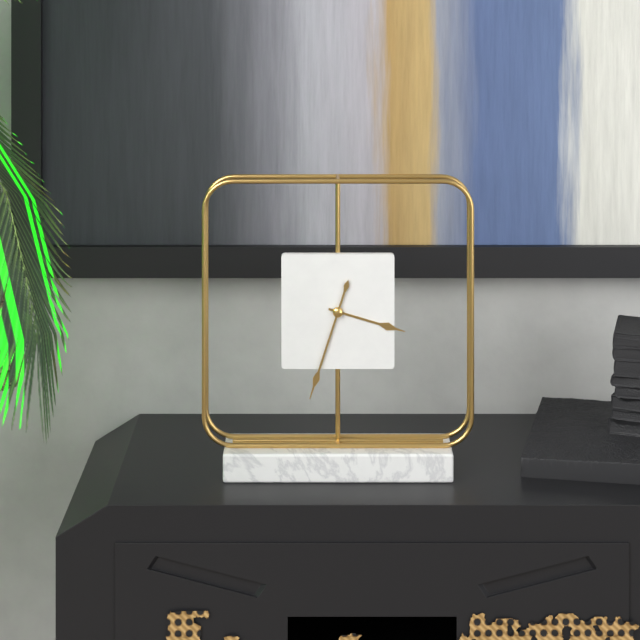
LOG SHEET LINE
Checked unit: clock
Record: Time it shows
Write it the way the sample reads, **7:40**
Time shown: **3:33**
